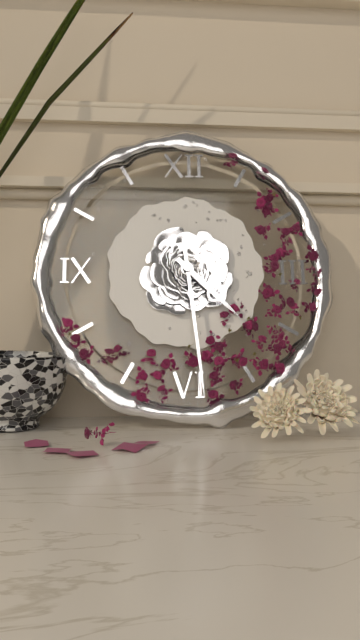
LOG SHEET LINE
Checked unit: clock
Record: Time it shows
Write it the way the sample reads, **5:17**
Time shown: **4:29**
